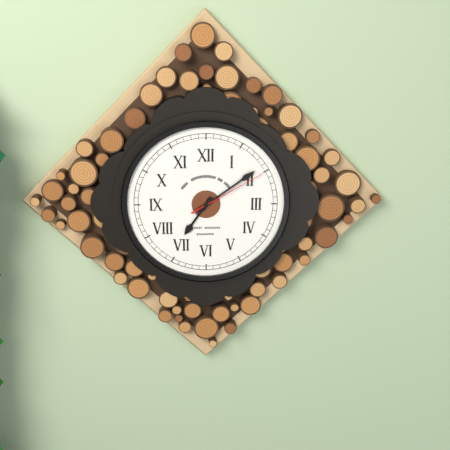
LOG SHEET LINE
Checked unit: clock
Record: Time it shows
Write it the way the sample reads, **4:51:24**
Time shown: **7:09:10**
